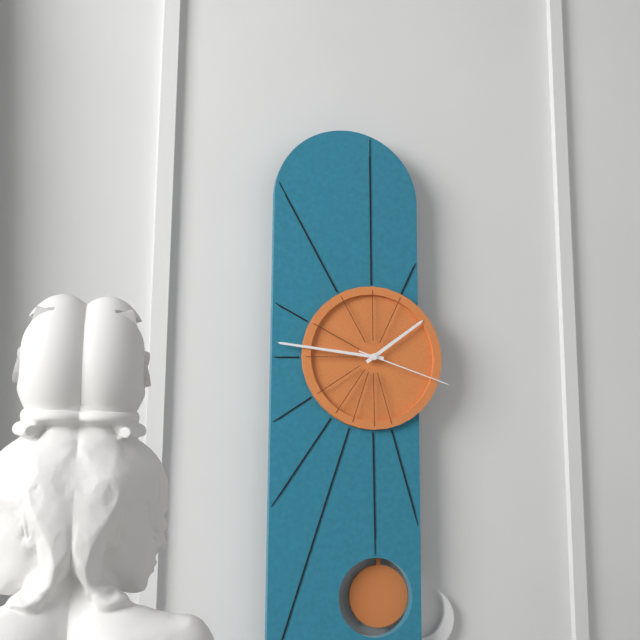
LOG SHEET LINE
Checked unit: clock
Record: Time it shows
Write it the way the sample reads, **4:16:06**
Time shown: **1:46:18**
